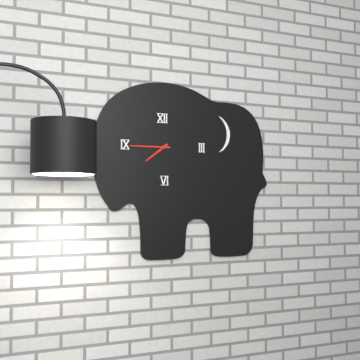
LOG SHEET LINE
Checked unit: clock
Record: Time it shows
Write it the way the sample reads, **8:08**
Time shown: **7:45**
